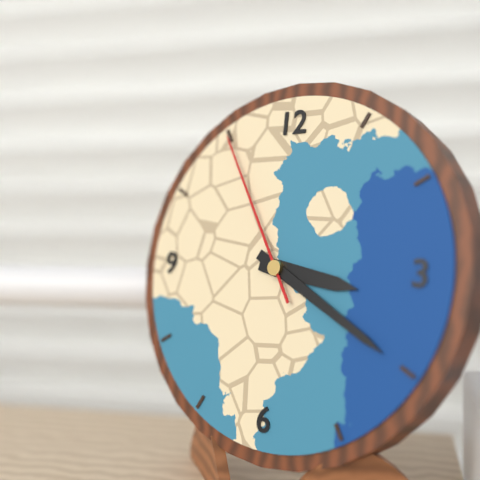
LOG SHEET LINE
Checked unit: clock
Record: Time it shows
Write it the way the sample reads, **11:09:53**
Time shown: **3:20:55**
